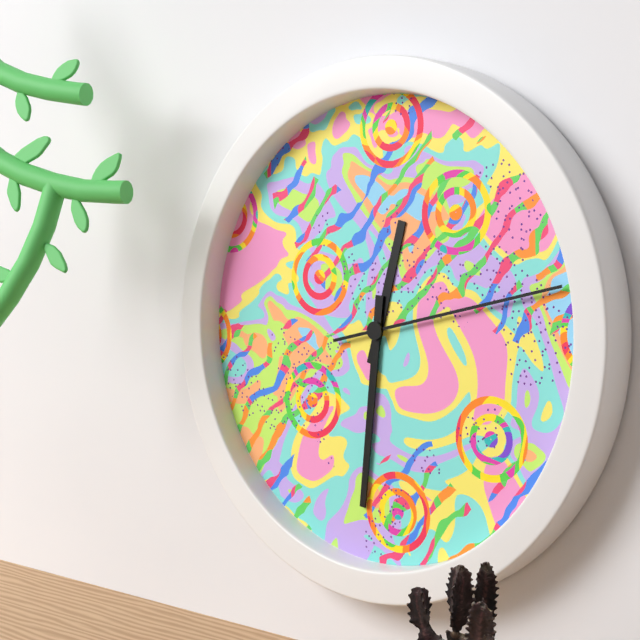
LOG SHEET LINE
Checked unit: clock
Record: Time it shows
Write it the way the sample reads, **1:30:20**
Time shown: **12:31:13**
